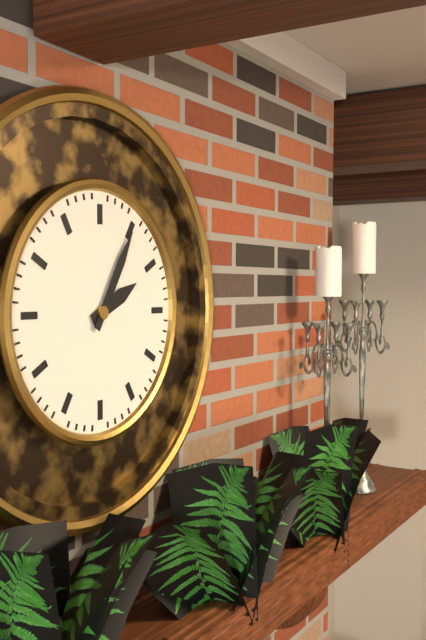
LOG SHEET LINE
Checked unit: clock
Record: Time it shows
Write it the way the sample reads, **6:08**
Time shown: **2:05**
